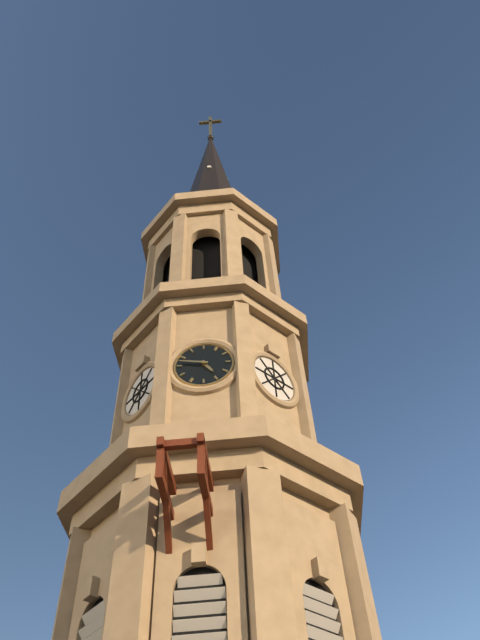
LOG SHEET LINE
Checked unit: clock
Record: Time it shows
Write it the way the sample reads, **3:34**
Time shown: **4:47**
